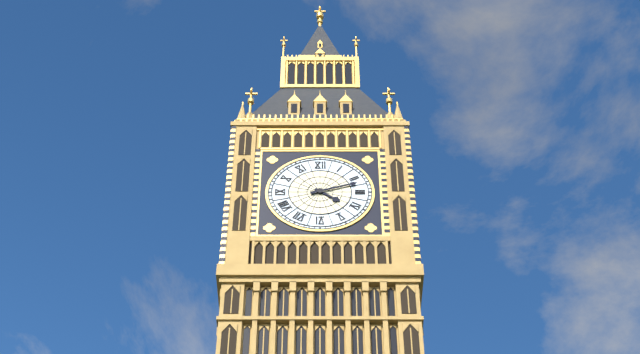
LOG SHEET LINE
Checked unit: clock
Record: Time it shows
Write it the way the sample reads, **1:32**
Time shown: **4:12**
